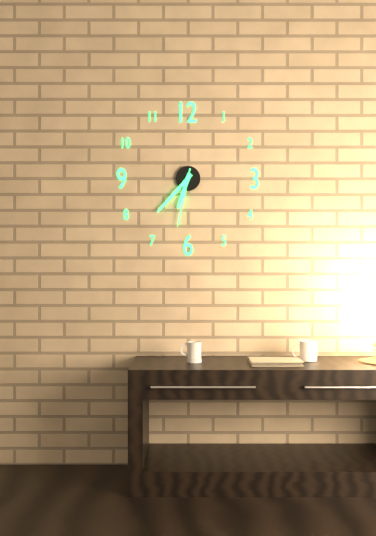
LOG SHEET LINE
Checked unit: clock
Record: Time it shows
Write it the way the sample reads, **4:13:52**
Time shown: **6:37:32**
